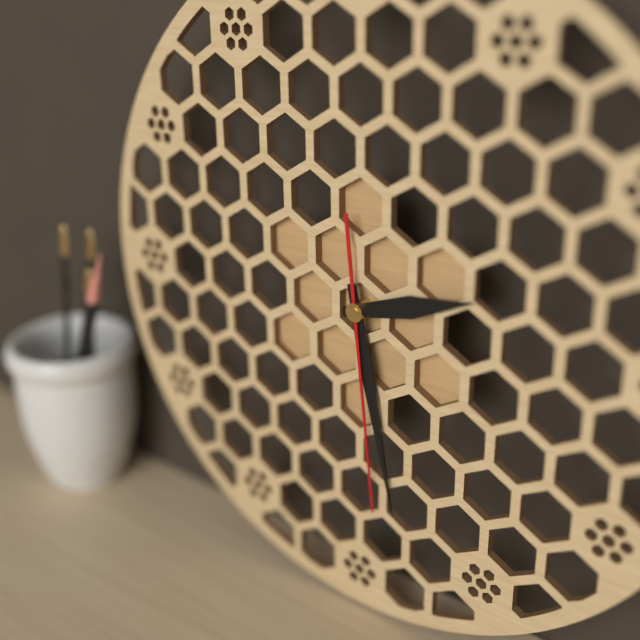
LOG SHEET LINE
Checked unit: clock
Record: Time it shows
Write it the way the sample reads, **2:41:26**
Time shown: **2:28:29**
